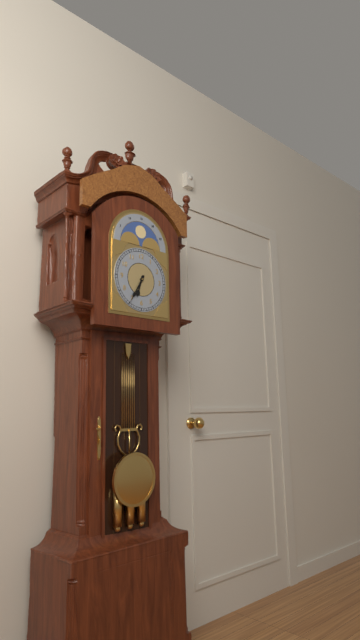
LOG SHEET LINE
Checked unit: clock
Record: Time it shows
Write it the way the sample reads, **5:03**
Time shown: **6:35**
